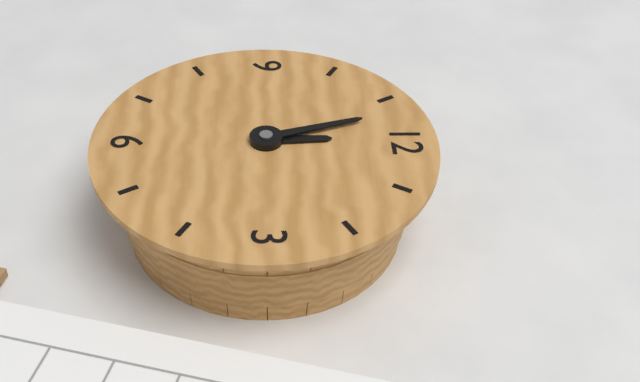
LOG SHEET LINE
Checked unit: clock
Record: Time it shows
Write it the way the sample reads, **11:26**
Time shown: **11:57**
